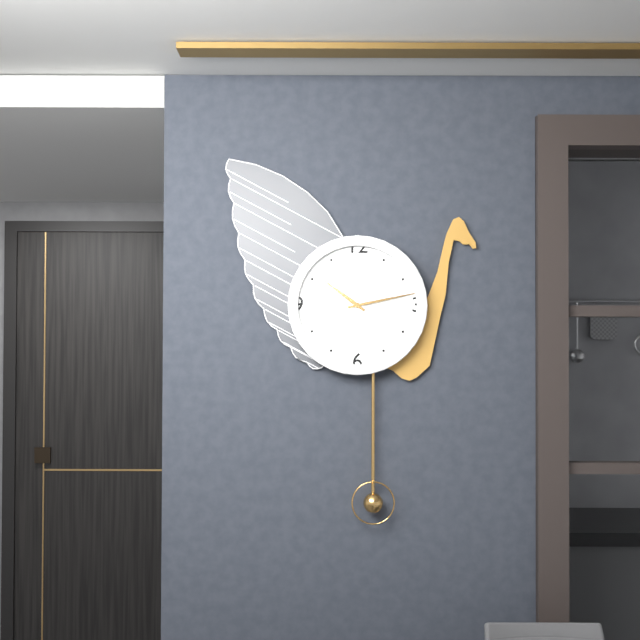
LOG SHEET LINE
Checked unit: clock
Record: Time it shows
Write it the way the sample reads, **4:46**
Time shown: **10:13**
